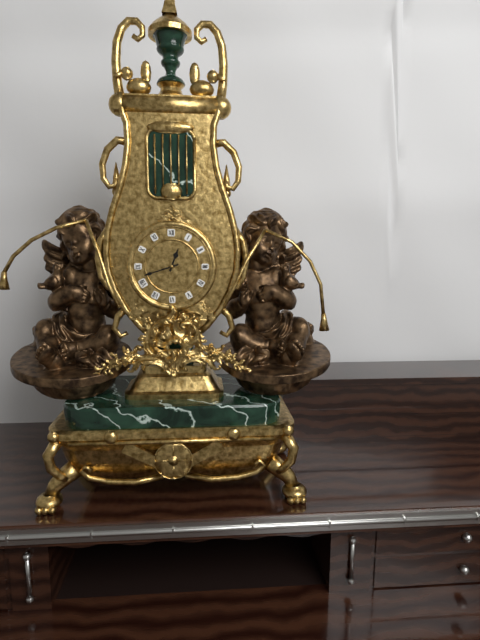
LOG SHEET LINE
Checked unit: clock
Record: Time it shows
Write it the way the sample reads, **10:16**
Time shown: **12:42**
